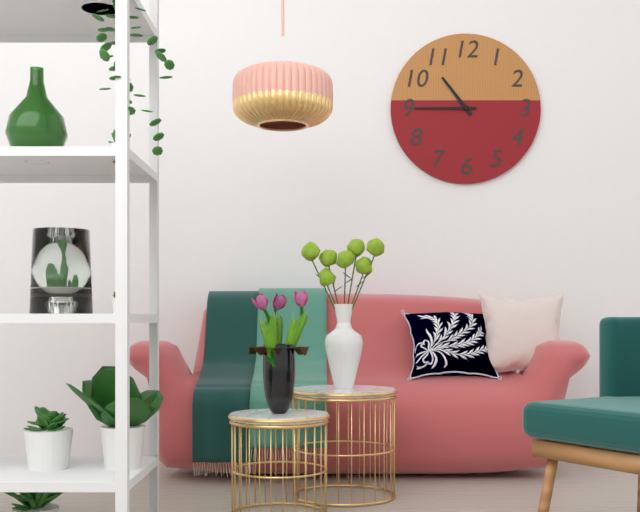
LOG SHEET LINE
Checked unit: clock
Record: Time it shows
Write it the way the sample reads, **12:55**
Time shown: **10:45**
